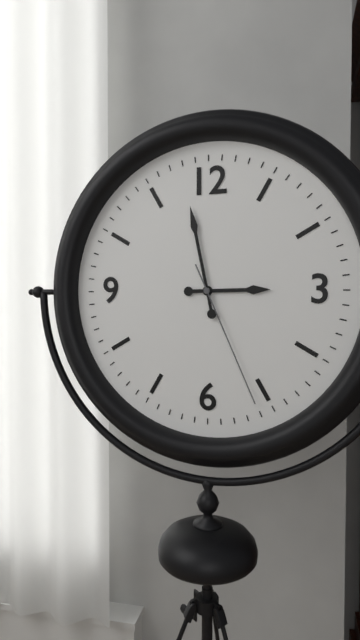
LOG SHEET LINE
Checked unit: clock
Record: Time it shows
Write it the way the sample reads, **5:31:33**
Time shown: **2:58:26**
